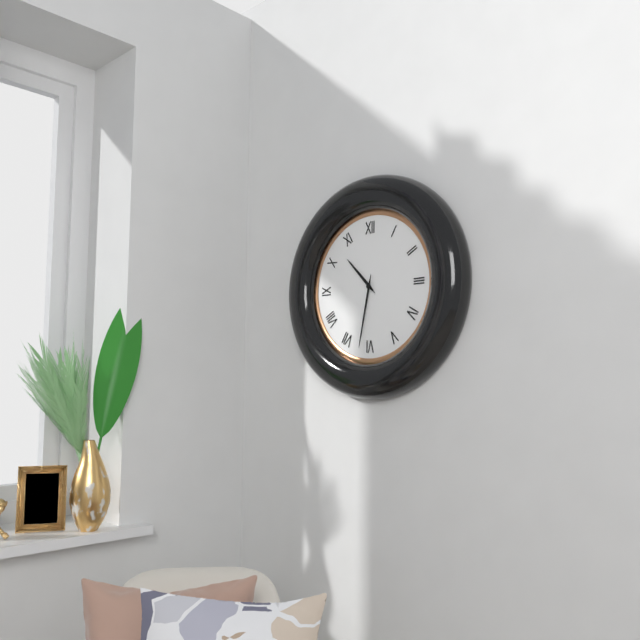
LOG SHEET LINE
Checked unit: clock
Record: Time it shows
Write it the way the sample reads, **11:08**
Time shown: **10:32**
